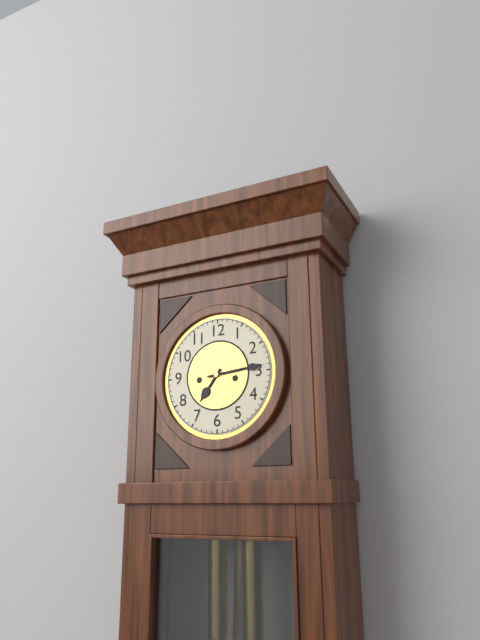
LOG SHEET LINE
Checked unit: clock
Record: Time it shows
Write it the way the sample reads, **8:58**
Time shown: **7:14**
